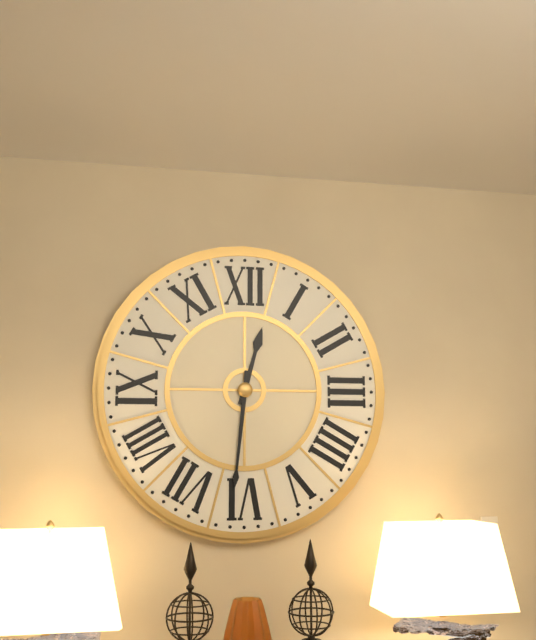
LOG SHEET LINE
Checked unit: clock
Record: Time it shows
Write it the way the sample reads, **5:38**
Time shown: **12:31**
